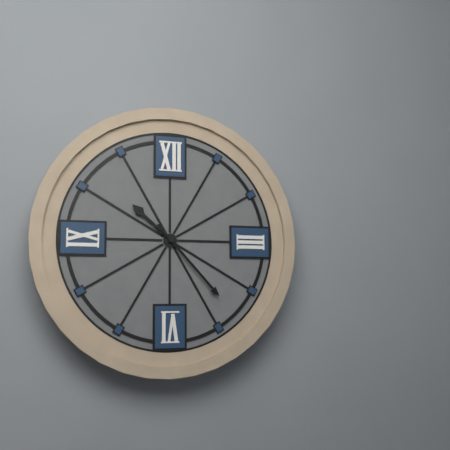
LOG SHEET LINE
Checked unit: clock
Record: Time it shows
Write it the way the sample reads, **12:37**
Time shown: **10:23**
